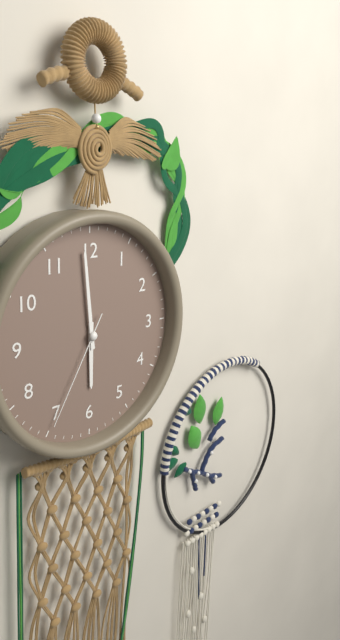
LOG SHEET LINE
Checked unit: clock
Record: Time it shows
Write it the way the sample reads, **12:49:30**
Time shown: **5:59:35**
